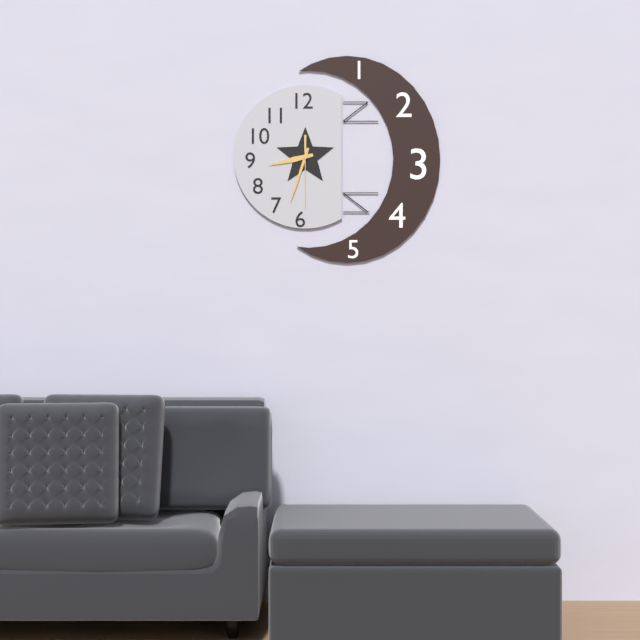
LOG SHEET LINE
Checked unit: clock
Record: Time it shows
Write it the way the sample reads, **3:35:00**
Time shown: **8:33:30**
